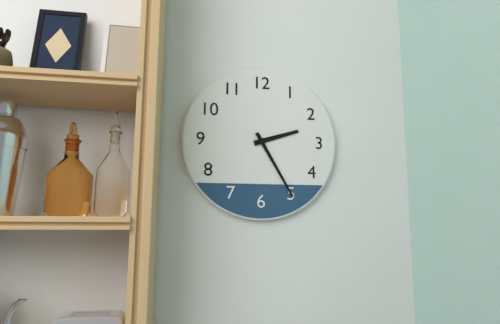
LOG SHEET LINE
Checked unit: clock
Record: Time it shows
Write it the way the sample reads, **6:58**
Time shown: **2:25**
